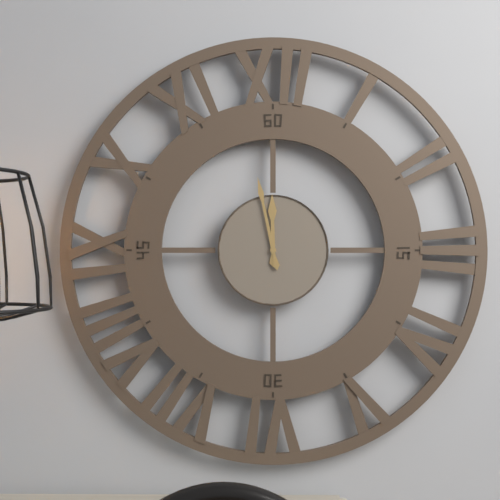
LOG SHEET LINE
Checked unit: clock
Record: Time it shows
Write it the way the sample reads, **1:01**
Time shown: **11:58**
